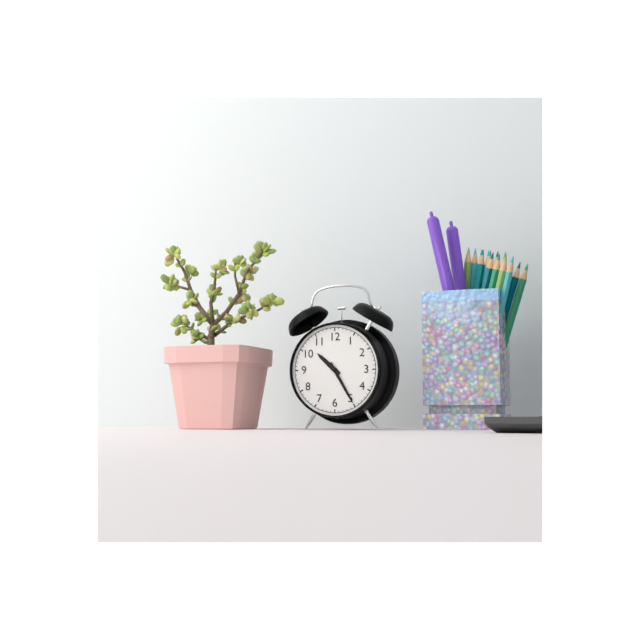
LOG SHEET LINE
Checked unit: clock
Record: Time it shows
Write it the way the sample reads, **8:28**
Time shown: **10:25**
